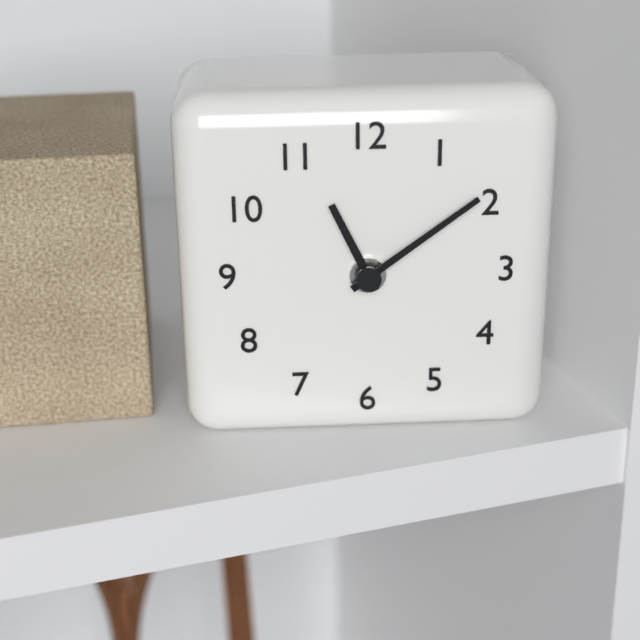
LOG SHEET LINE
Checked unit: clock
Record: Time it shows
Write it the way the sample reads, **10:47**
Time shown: **11:09**
